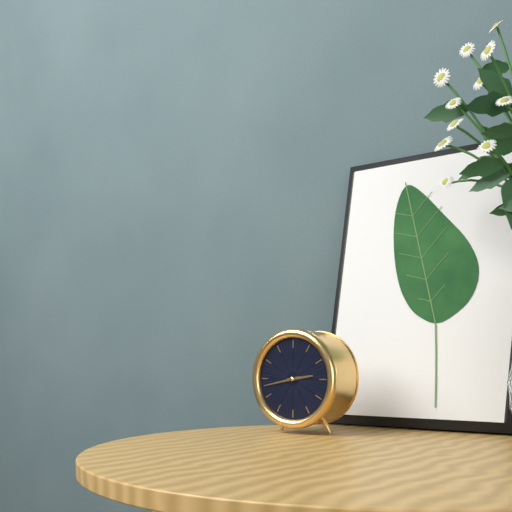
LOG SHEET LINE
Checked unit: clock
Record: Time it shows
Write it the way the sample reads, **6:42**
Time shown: **2:43**
